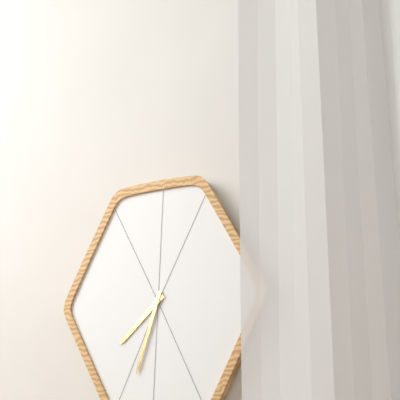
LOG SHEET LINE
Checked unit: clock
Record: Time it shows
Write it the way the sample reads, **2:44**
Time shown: **7:33**
